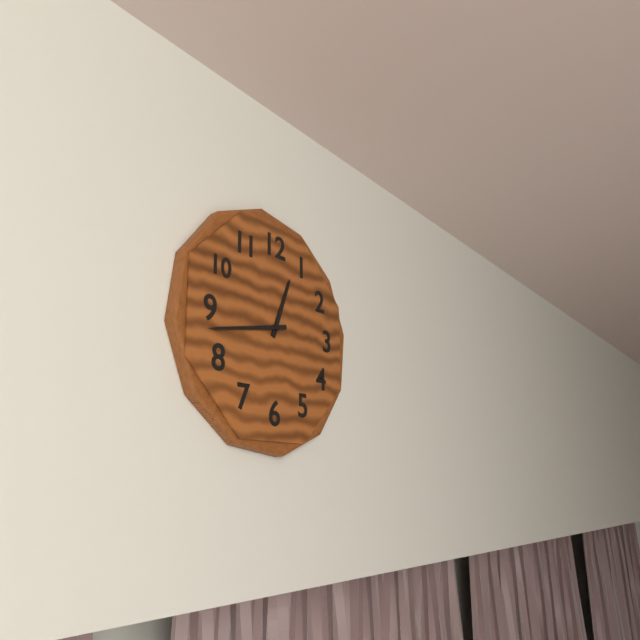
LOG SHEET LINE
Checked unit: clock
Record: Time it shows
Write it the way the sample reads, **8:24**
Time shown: **12:43**
